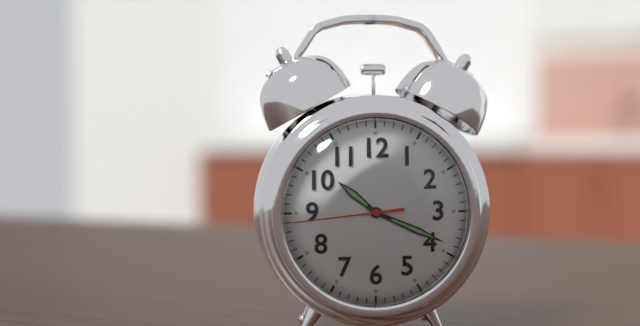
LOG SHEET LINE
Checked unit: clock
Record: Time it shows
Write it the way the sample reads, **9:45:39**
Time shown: **10:19:44**
